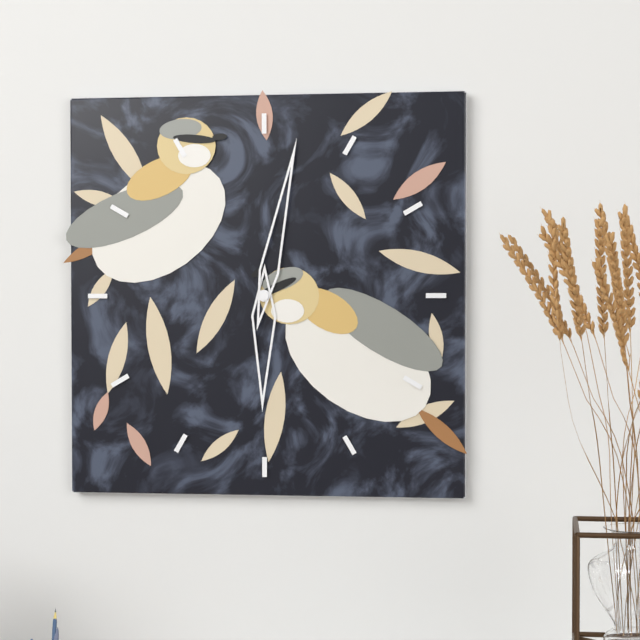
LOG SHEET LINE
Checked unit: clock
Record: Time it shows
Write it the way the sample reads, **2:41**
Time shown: **6:02**
